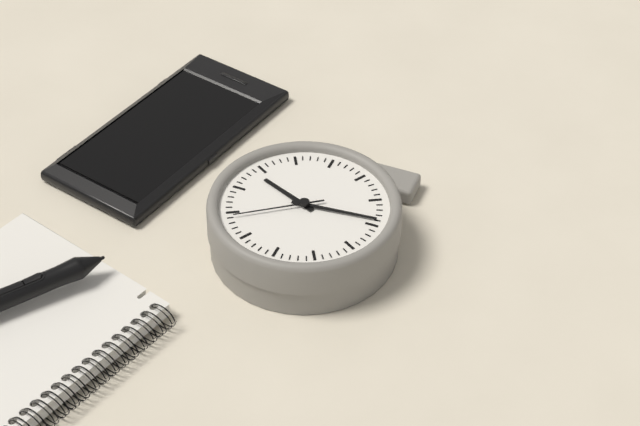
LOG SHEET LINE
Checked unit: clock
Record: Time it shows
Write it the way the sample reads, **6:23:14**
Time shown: **3:44:09**
